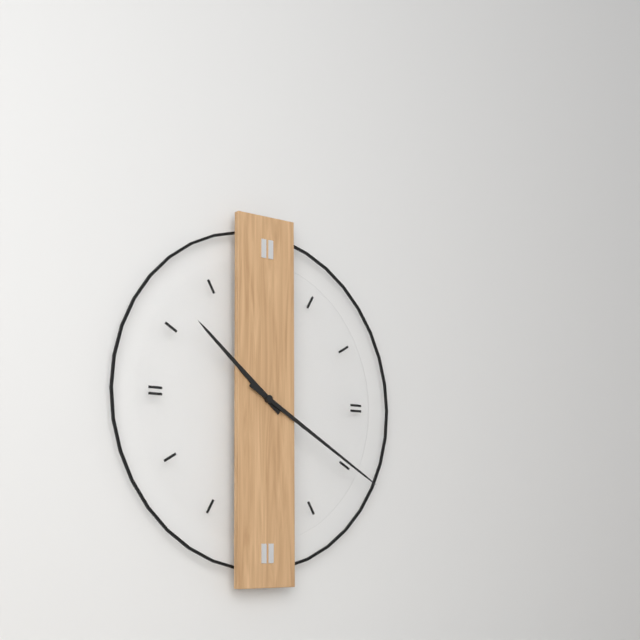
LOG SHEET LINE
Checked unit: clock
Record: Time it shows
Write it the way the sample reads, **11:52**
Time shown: **10:20**
